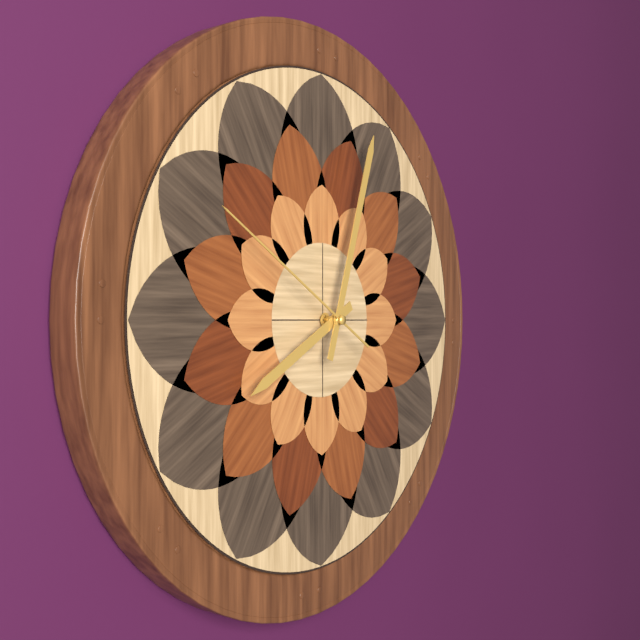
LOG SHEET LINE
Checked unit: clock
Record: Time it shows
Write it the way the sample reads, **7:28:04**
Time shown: **8:03:50**
